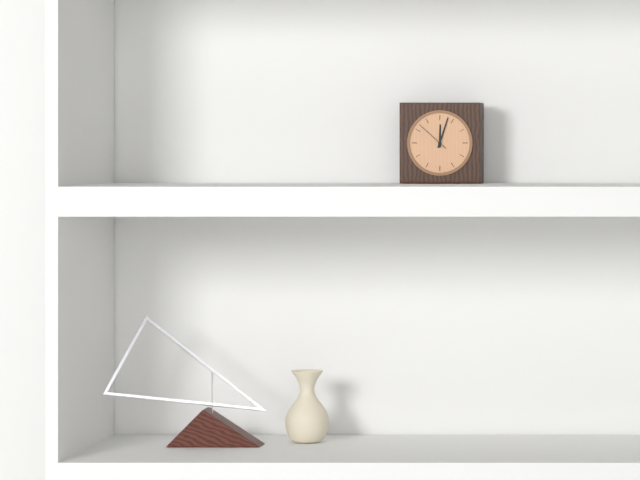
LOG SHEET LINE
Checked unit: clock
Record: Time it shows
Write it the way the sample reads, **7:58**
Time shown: **12:03**
